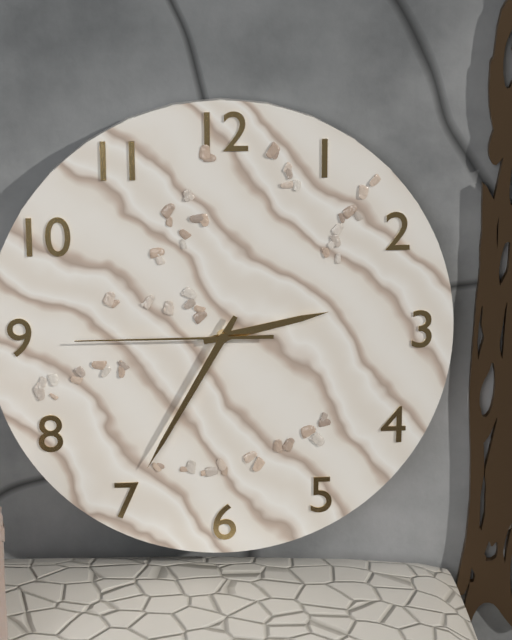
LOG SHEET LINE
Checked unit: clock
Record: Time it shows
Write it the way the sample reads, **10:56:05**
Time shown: **2:35:45**
